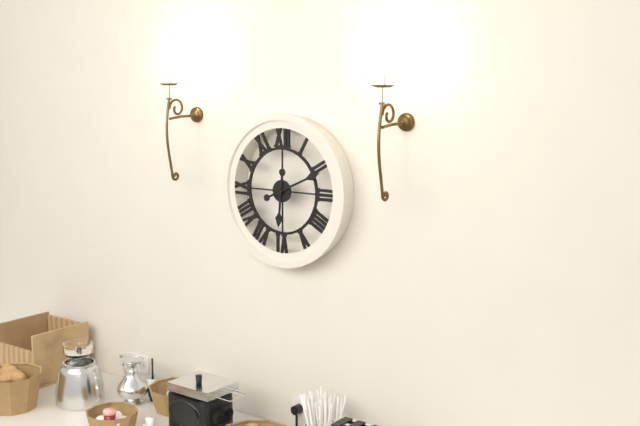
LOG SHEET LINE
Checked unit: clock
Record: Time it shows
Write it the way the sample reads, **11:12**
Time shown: **6:11**
